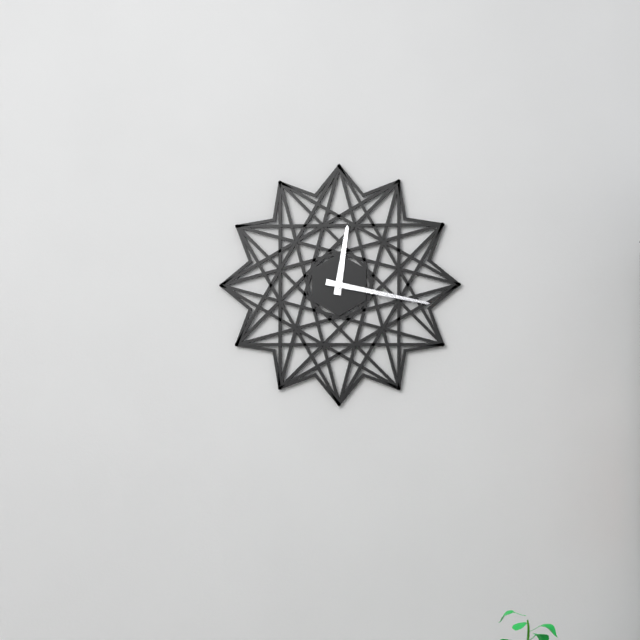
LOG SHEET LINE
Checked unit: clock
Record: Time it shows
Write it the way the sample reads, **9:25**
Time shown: **12:17**
